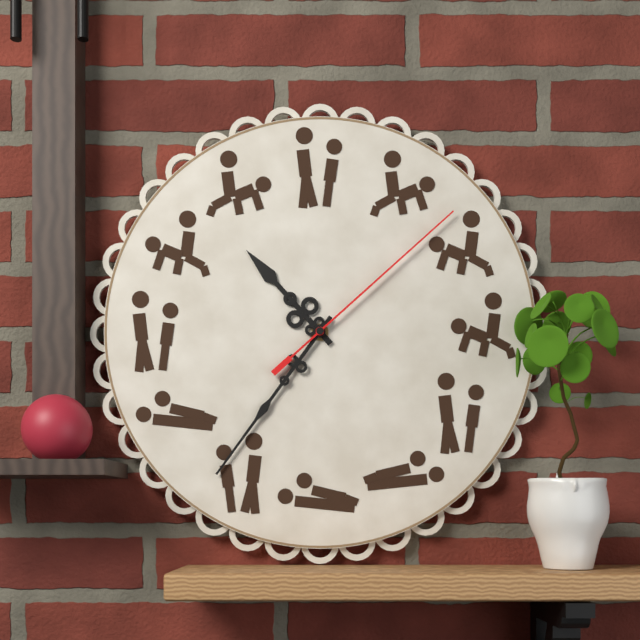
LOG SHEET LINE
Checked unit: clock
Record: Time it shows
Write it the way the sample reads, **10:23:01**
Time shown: **10:36:08**
